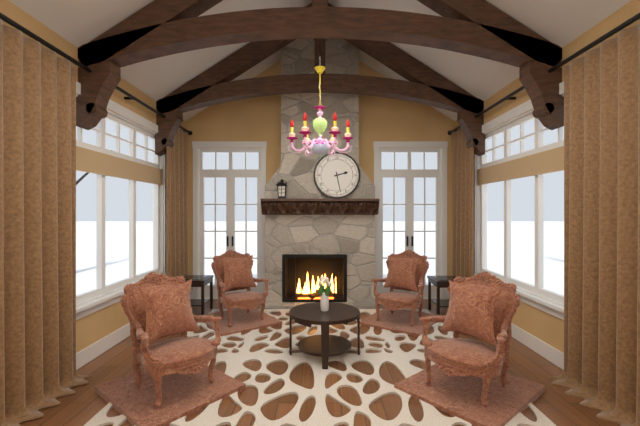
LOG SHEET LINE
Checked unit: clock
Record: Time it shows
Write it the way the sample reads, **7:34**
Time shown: **2:28**
